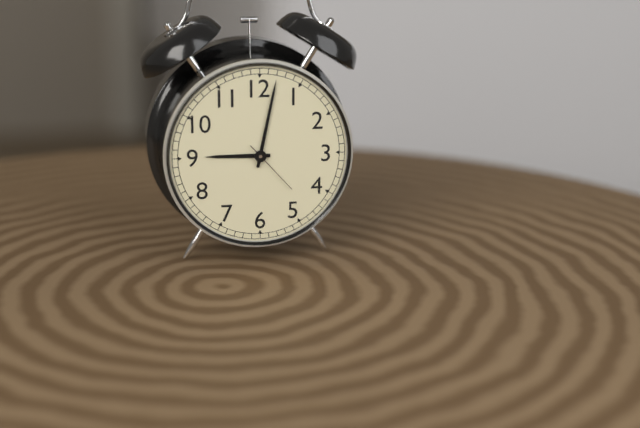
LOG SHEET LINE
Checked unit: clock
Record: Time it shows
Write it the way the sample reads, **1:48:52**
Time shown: **9:02:23**
